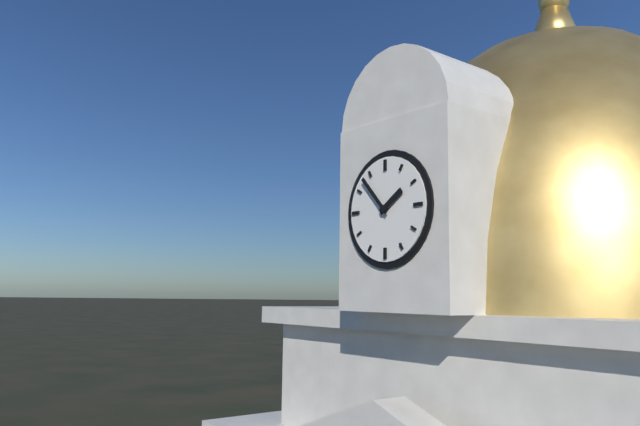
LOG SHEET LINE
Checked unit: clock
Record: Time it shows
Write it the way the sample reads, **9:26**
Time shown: **1:53**
